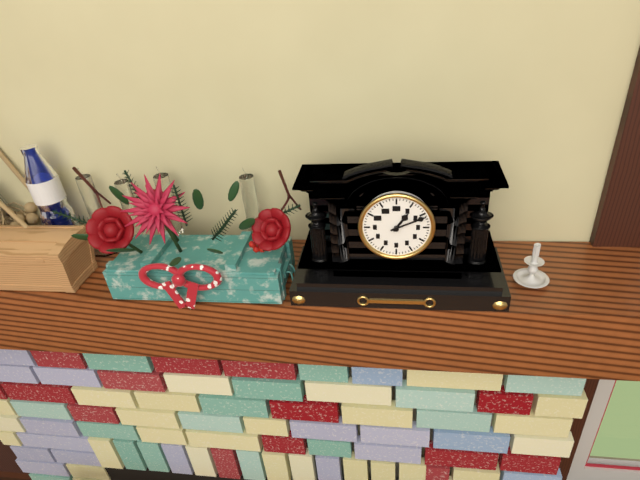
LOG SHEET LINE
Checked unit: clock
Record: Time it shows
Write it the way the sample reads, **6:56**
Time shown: **1:11**
